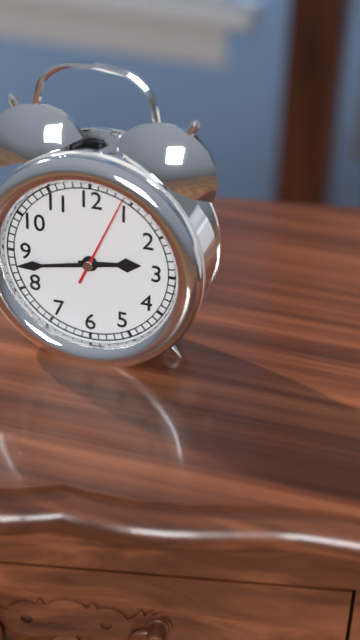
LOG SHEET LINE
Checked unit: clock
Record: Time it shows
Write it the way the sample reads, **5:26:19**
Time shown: **2:43:04**
